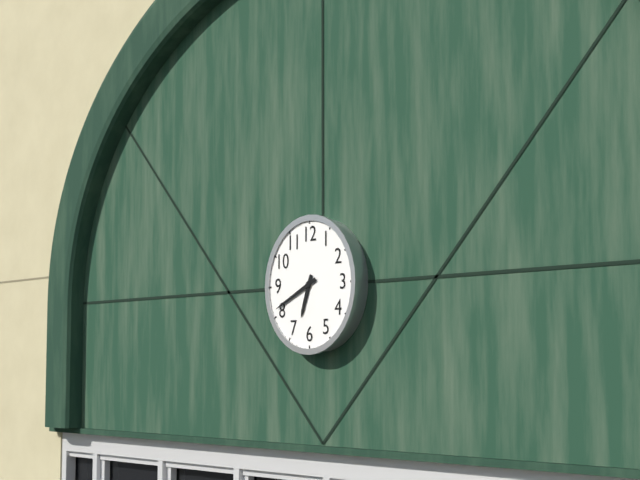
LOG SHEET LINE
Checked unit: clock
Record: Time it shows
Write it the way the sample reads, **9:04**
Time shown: **6:41**
